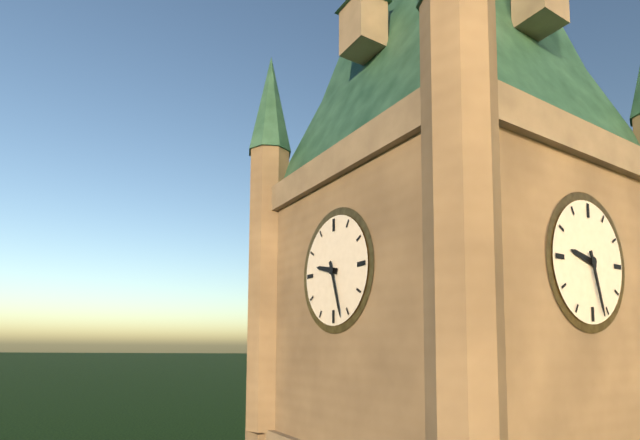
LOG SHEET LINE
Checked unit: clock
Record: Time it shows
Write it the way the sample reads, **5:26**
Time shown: **9:27**
